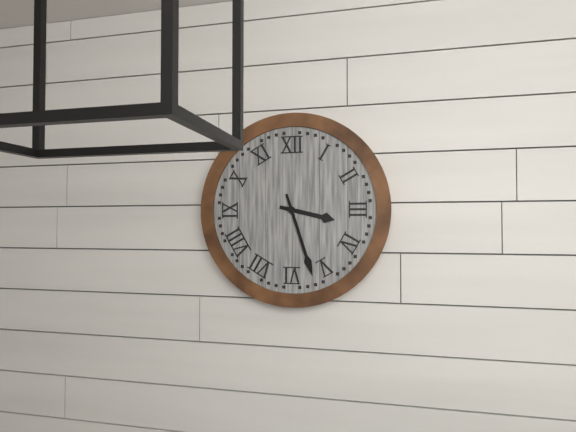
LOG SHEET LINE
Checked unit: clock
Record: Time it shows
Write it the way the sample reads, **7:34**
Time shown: **3:27**
